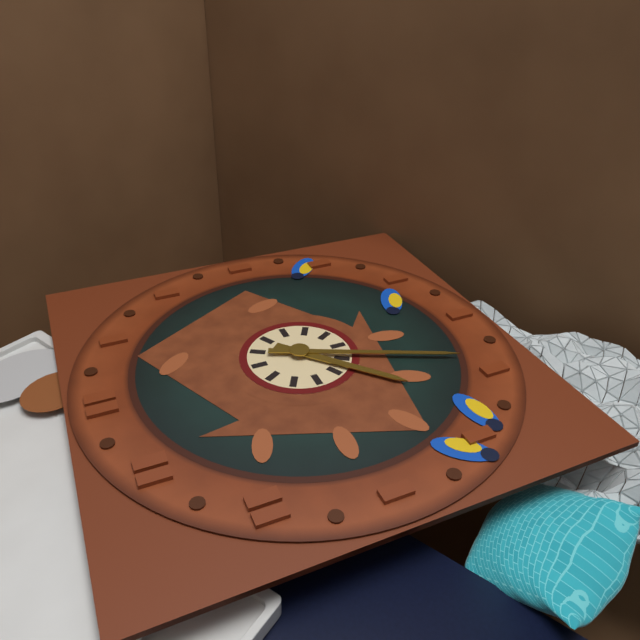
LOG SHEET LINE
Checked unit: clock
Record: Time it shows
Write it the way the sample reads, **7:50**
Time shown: **7:34**
